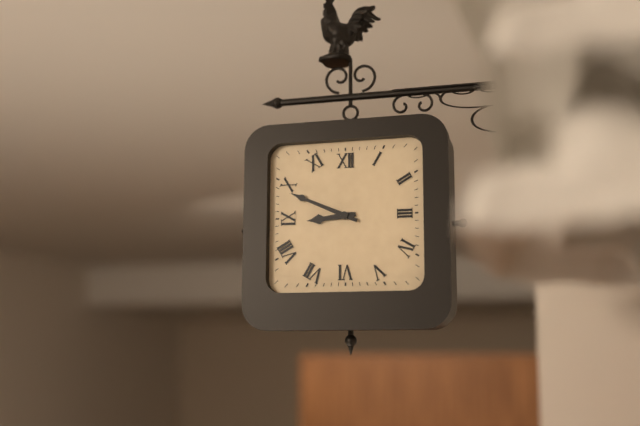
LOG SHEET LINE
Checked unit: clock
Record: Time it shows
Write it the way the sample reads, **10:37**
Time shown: **8:49**
